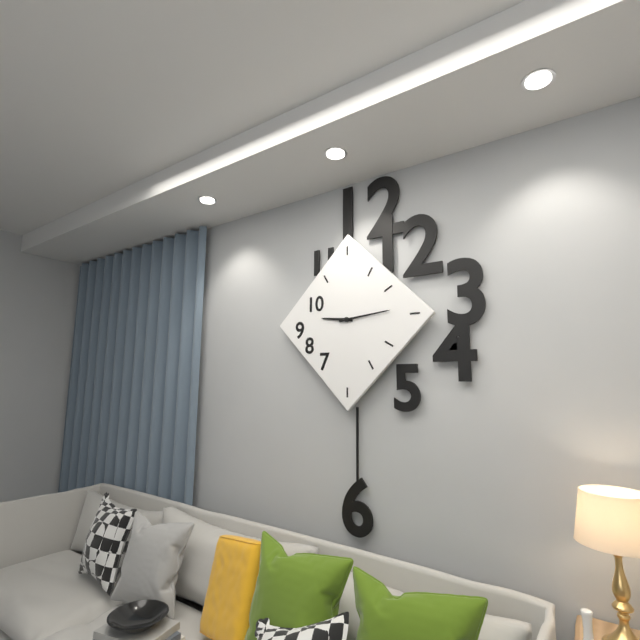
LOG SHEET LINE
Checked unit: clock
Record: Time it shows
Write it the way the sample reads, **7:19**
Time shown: **9:14**
